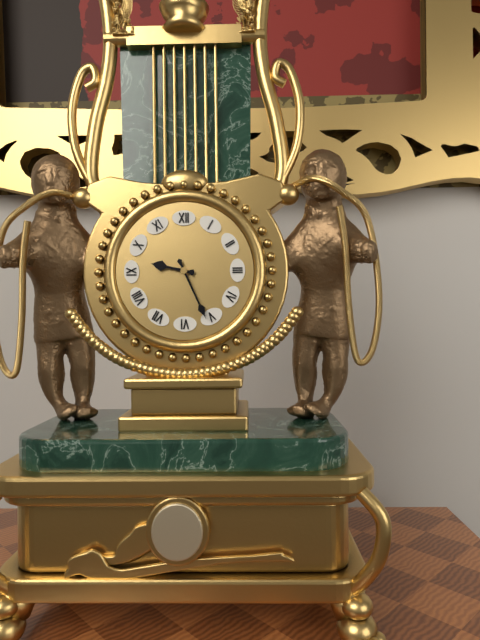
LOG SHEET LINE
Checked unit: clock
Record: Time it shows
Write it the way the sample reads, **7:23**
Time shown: **9:26**
